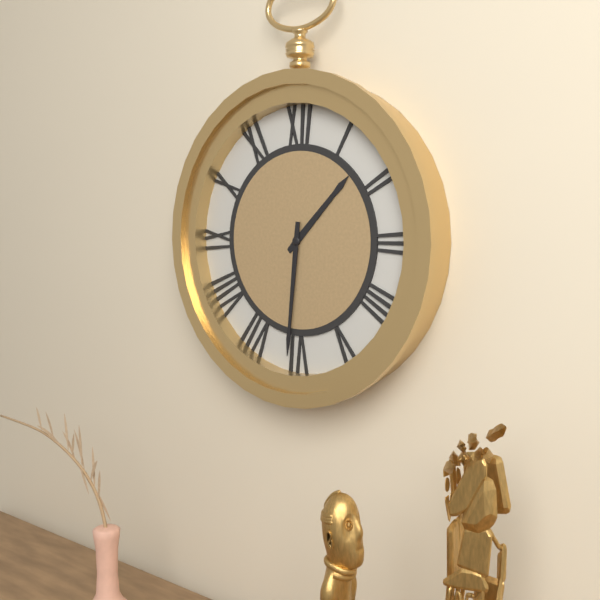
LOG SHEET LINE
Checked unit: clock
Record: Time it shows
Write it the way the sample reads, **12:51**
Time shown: **1:31**
